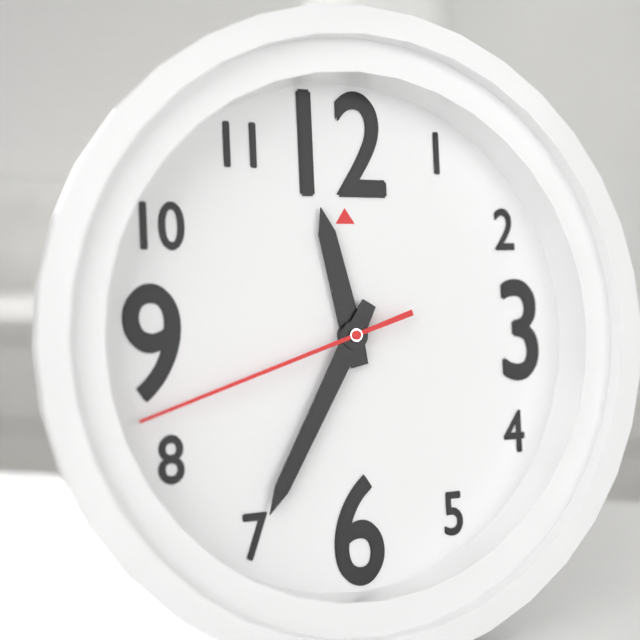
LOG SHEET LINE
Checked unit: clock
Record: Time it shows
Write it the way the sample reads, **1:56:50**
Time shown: **11:35:42**
